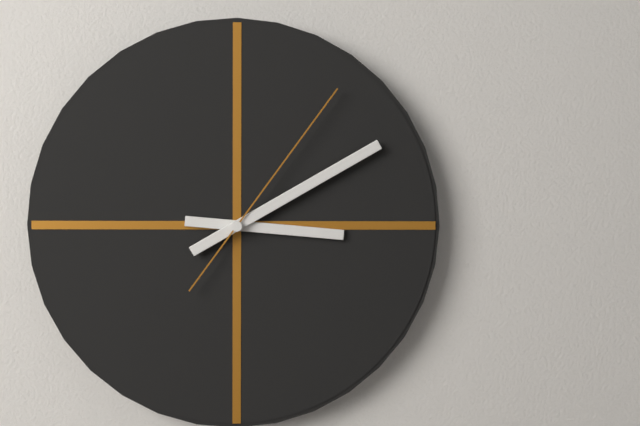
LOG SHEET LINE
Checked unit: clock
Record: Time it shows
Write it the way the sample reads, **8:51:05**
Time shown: **3:10:06**
